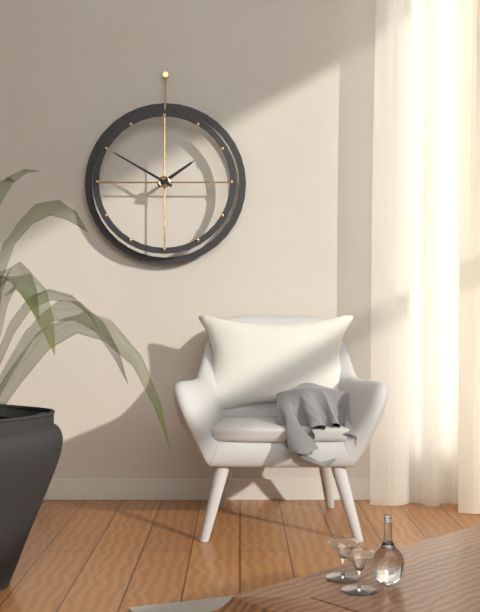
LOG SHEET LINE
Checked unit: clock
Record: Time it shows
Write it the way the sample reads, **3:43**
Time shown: **1:50**
